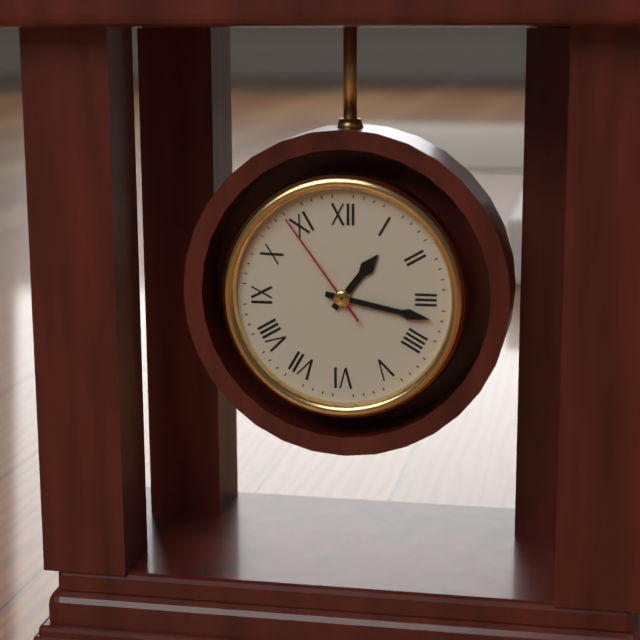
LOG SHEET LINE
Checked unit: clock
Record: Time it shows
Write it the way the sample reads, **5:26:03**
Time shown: **1:17:54**
